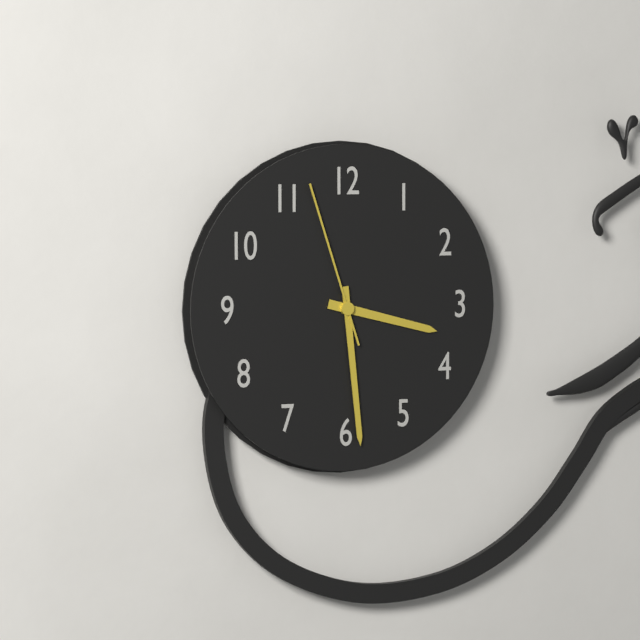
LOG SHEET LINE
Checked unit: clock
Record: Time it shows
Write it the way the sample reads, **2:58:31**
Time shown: **3:29:57**
